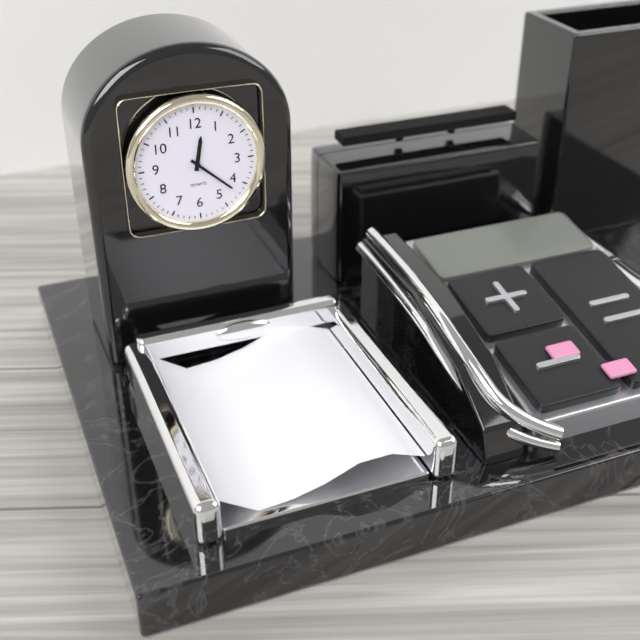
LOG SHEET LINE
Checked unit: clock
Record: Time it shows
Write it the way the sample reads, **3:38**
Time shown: **12:22**
